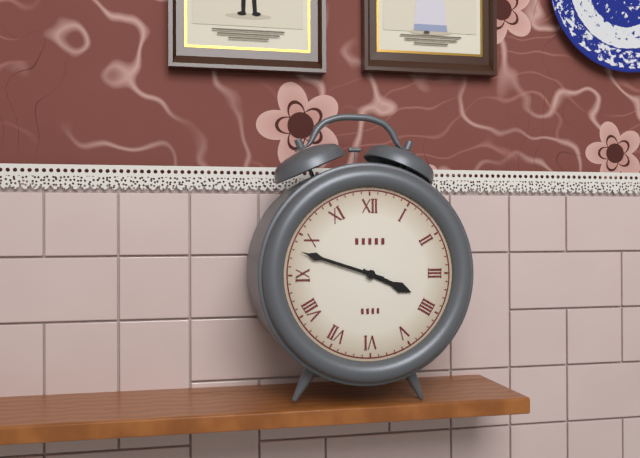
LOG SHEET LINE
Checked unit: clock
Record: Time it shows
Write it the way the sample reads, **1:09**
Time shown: **3:48**
